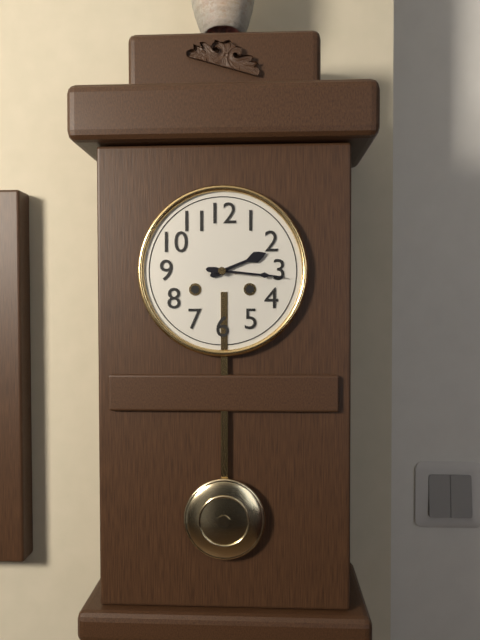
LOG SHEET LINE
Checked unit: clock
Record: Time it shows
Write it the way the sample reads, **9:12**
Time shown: **2:16**
